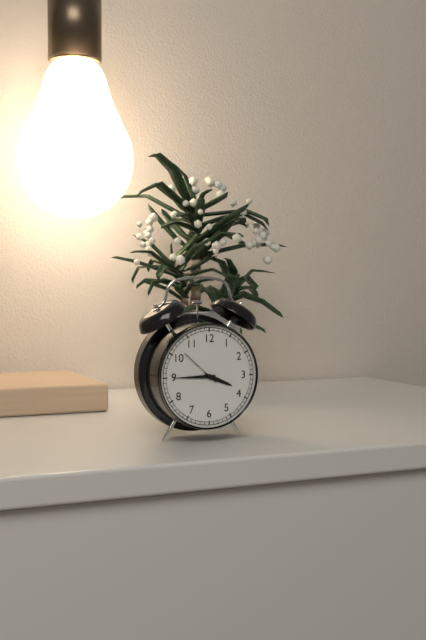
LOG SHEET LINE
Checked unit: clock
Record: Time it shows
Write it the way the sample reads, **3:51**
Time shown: **3:45**
